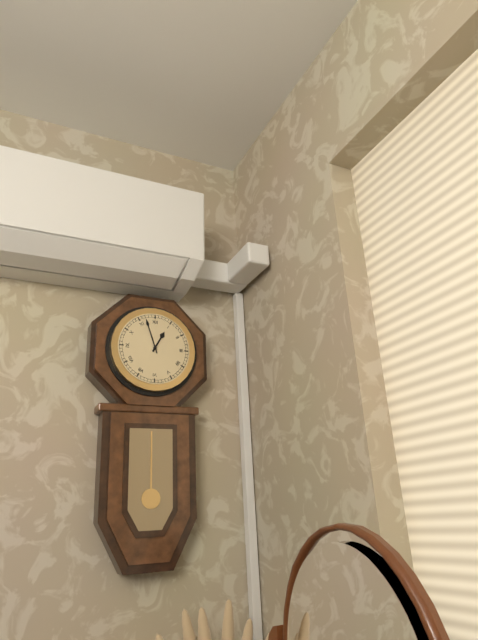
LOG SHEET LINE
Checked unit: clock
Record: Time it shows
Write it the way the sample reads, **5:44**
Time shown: **12:57**
